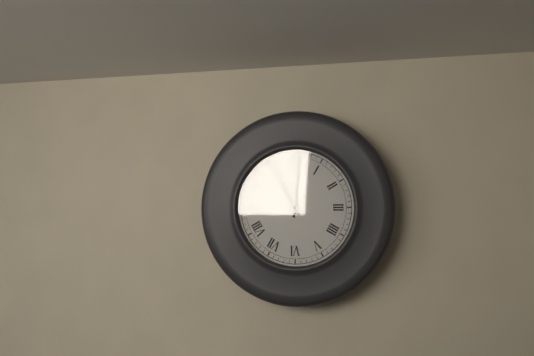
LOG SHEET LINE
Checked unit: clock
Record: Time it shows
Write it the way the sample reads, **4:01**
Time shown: **11:01**
